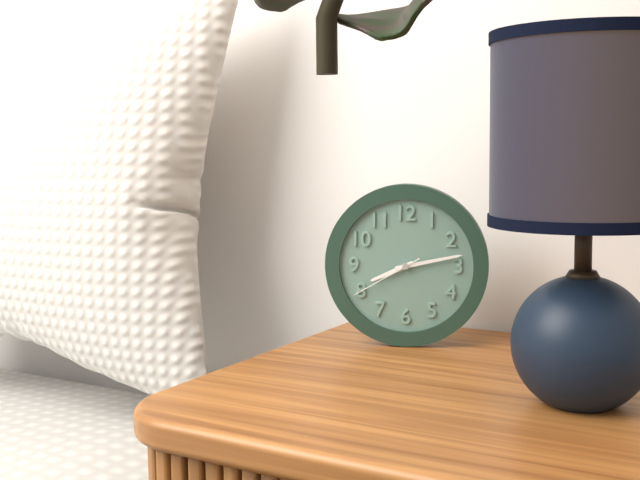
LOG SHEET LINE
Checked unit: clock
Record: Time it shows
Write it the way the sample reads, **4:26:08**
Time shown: **8:13:40**
